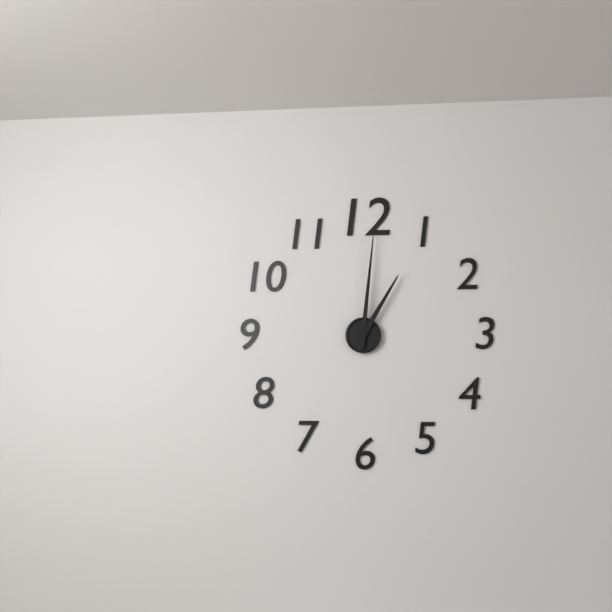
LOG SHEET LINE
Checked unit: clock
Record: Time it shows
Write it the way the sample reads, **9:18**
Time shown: **1:01**
